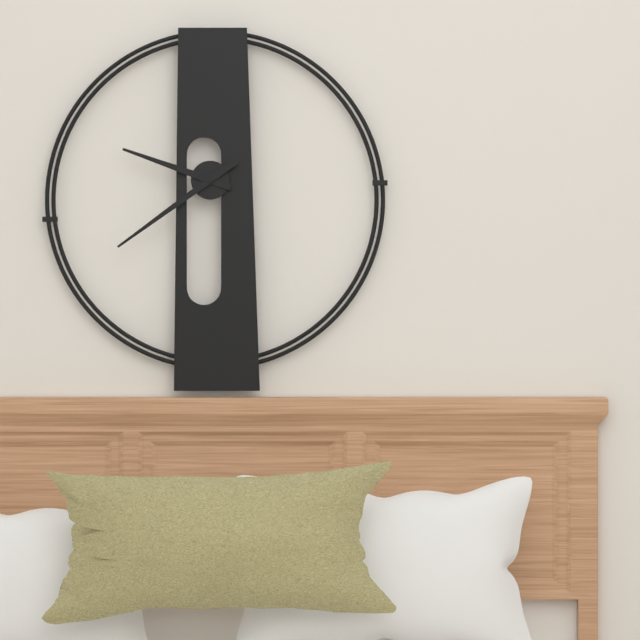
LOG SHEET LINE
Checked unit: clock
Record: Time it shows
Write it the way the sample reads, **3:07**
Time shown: **9:39**
